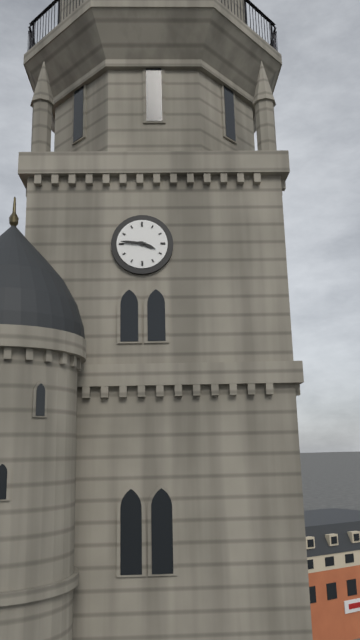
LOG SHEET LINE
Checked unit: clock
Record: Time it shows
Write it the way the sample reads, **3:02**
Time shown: **3:46**
